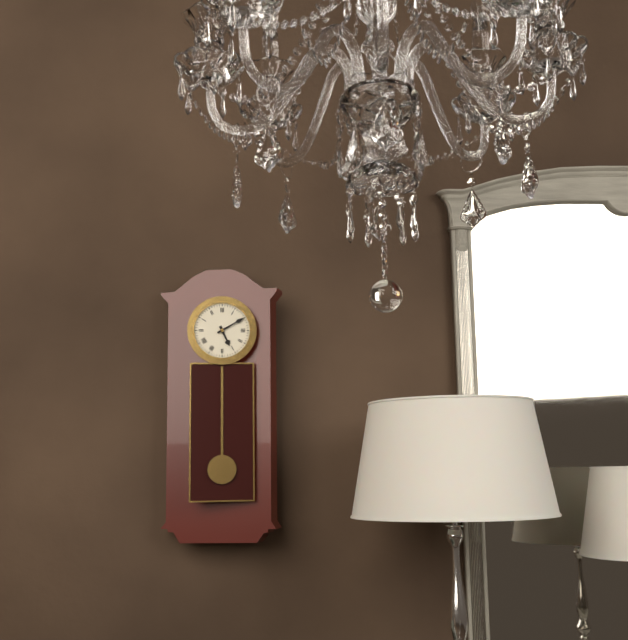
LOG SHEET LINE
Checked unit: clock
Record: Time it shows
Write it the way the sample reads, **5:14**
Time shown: **5:10**
